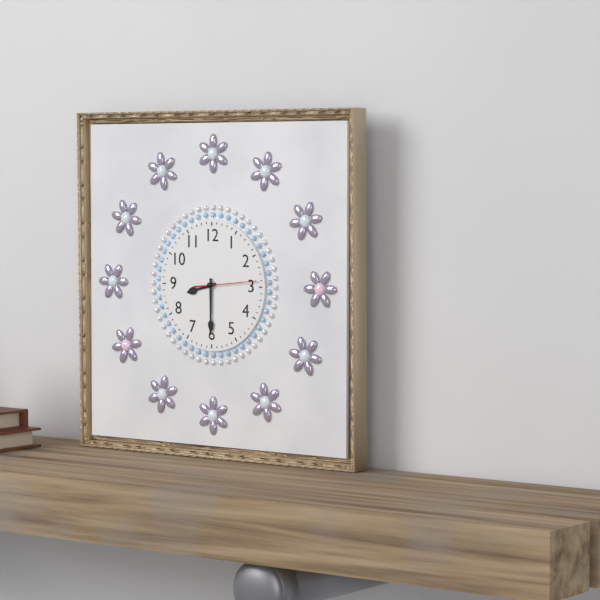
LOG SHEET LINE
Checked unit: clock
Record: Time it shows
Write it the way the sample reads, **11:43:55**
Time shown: **8:30:14**
